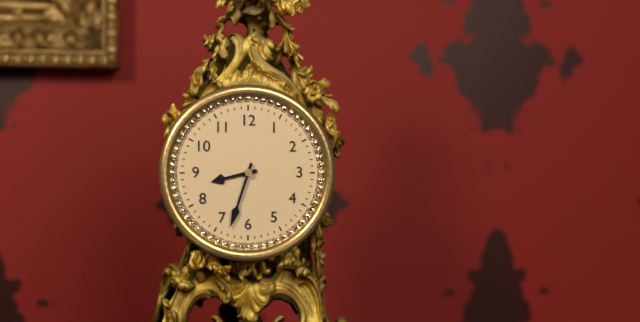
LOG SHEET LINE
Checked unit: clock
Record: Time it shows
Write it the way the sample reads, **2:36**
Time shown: **8:33**
